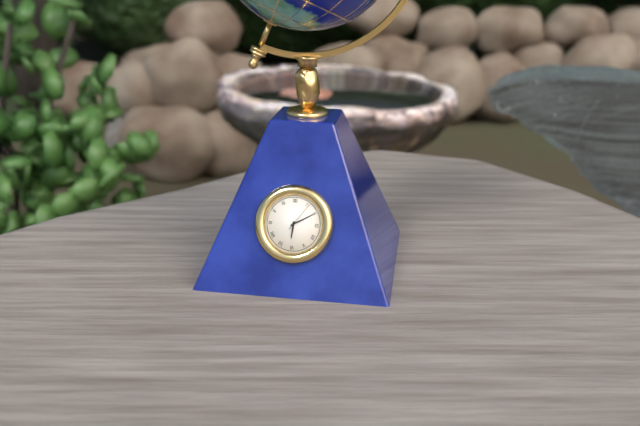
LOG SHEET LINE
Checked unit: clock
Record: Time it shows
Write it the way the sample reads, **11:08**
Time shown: **6:10**
